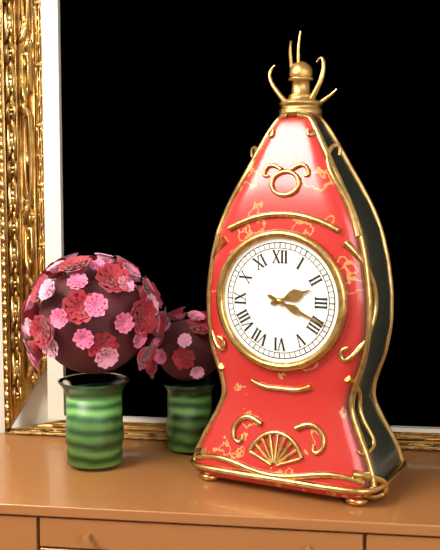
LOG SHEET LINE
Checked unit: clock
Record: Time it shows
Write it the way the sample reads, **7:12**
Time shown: **2:19**
